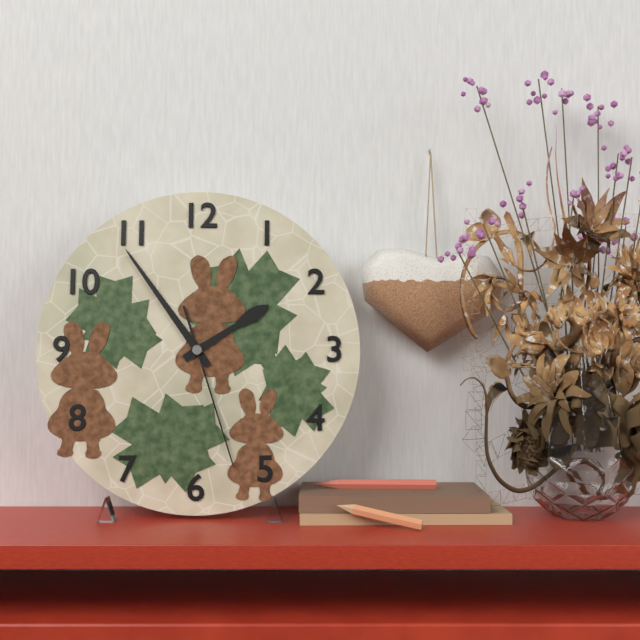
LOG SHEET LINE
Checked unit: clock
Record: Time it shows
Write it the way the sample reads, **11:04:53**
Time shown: **1:54:27**
